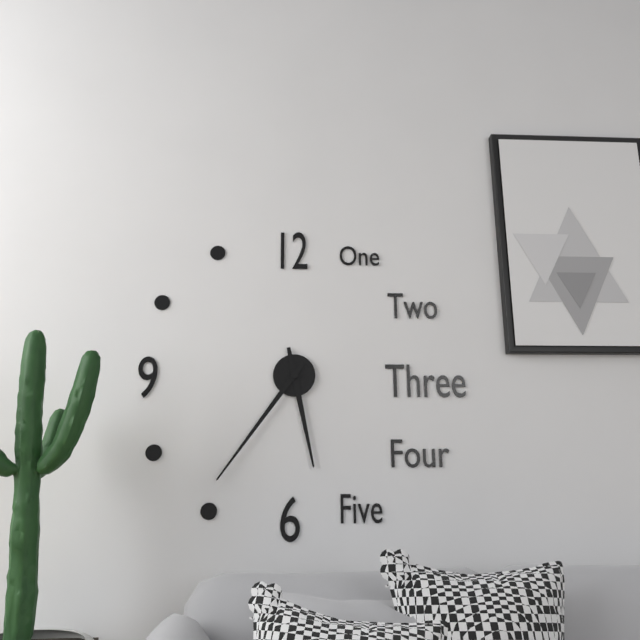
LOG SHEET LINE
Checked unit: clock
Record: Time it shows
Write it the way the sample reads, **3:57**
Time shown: **5:36**
